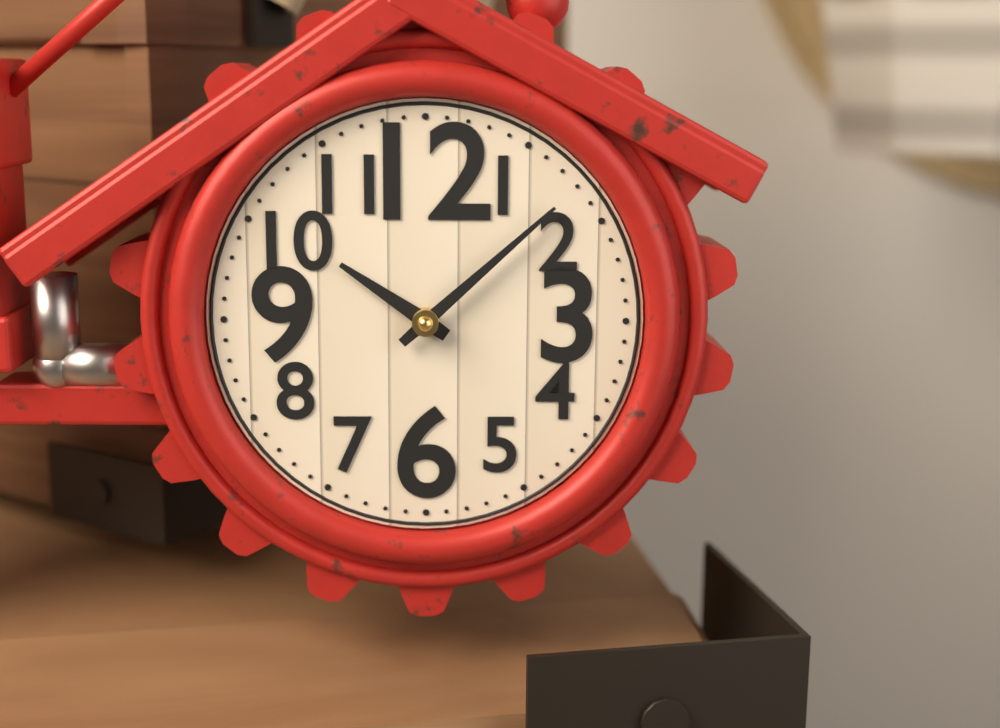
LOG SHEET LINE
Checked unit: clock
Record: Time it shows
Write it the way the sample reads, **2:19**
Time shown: **10:08**
